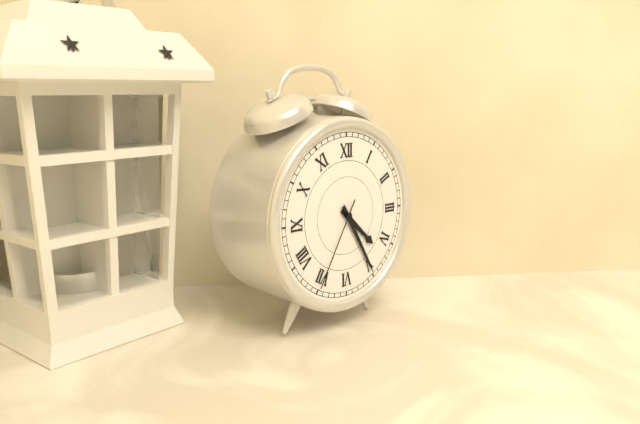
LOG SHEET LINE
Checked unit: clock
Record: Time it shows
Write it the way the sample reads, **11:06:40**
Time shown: **4:25:35**
